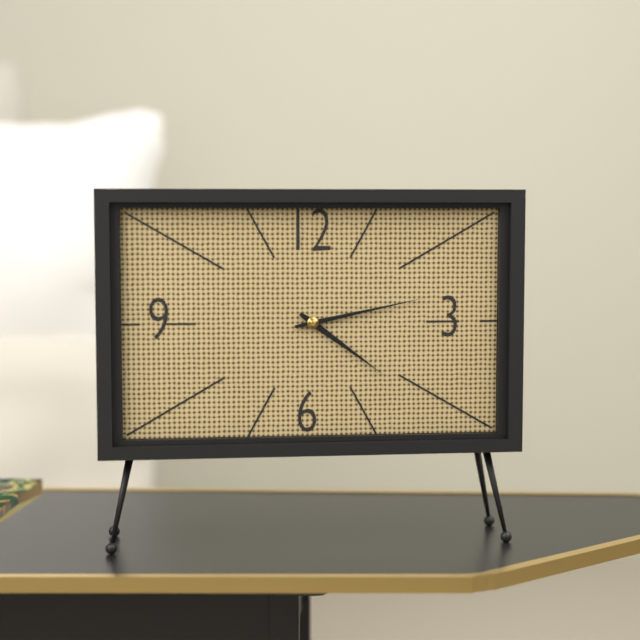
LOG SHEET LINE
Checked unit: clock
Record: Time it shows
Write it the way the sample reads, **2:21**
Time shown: **4:13**
